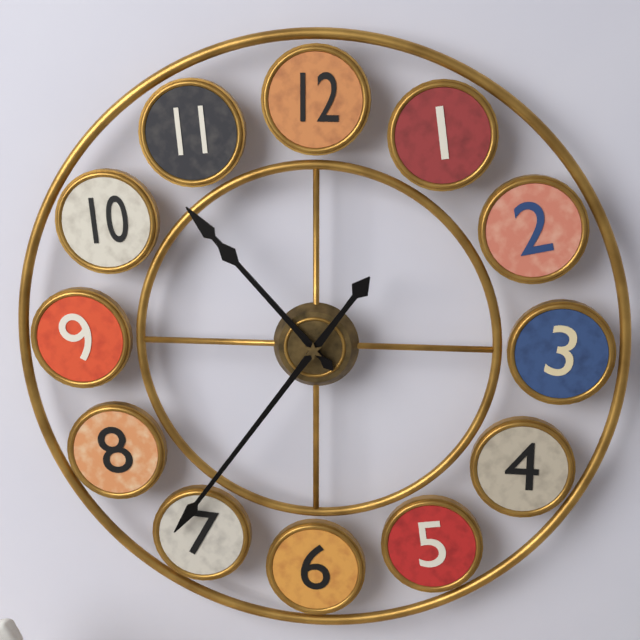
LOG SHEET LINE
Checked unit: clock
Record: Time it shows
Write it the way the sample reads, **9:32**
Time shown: **10:36**
